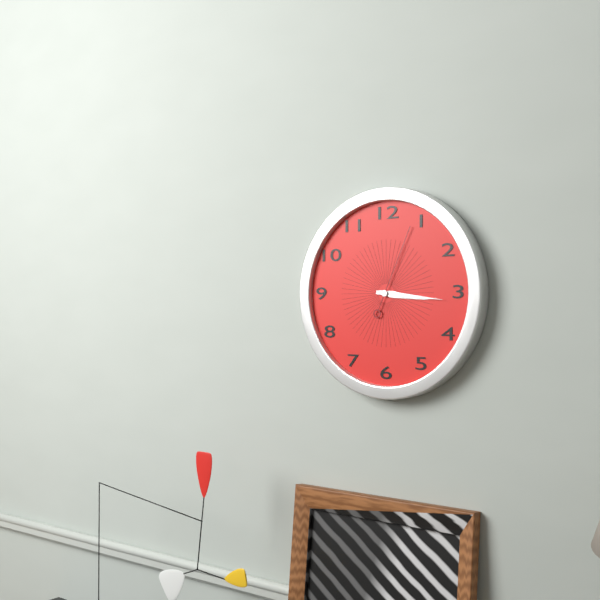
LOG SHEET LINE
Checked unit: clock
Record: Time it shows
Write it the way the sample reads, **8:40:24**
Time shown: **3:16:04**
